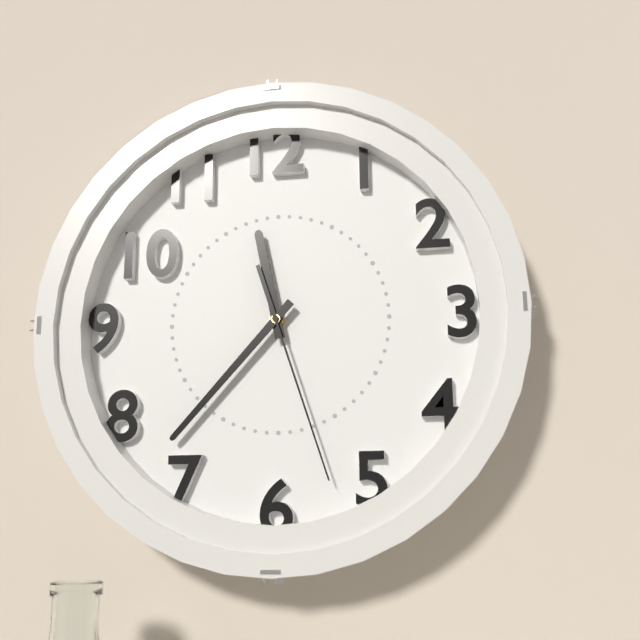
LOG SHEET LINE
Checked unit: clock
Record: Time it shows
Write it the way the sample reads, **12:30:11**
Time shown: **11:37:27**
